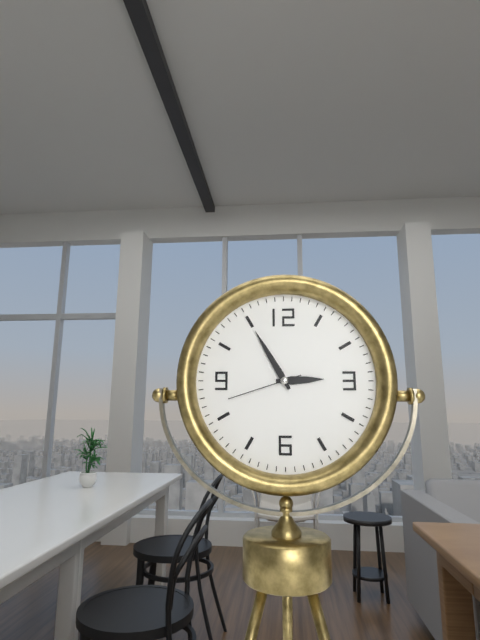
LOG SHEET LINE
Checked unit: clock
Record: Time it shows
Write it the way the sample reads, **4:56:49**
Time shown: **2:55:42**
